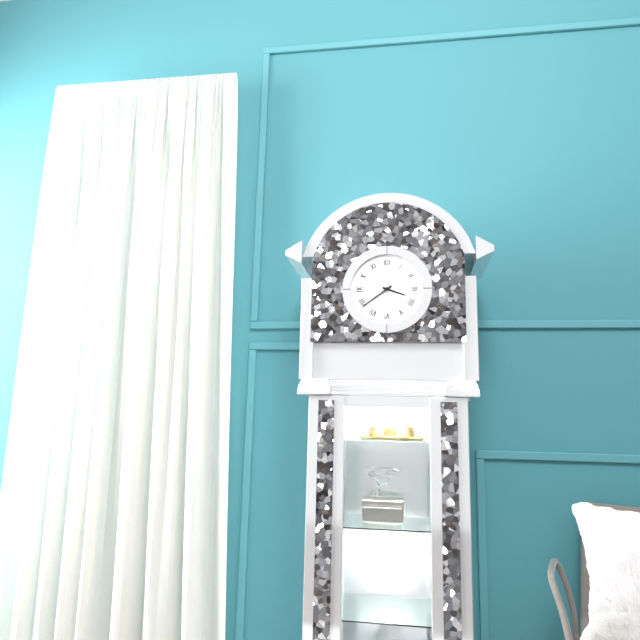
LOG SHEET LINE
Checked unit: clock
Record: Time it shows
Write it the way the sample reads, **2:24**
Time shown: **3:39**
